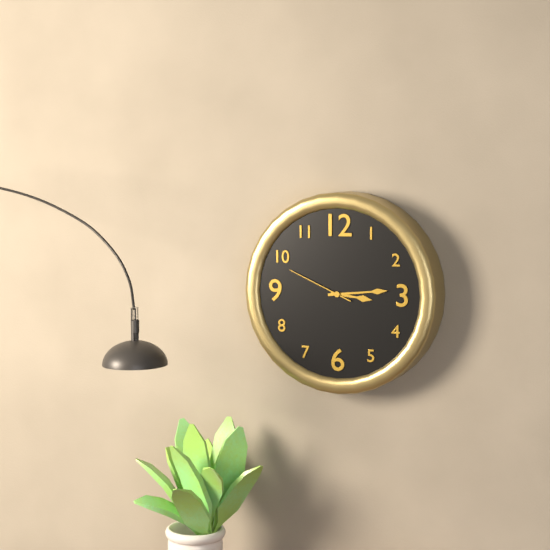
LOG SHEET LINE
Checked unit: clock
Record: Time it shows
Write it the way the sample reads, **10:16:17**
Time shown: **3:14:49**
